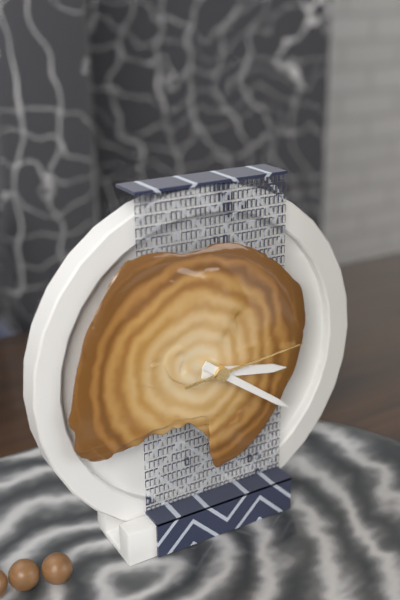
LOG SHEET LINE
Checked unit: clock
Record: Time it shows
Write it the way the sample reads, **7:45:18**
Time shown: **3:21:14**
